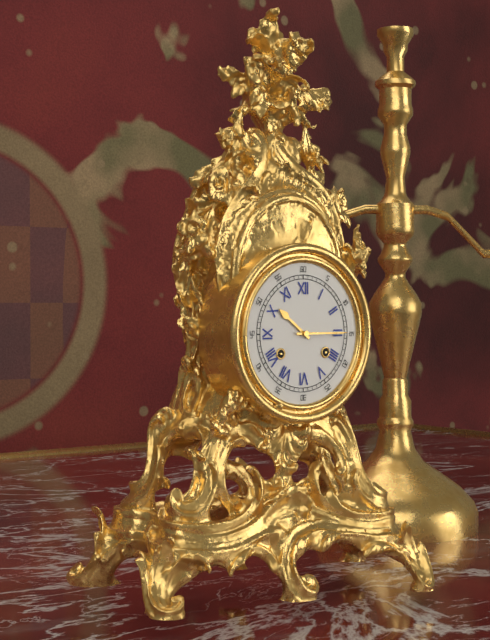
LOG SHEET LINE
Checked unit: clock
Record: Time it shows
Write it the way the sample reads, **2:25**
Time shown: **10:15**
